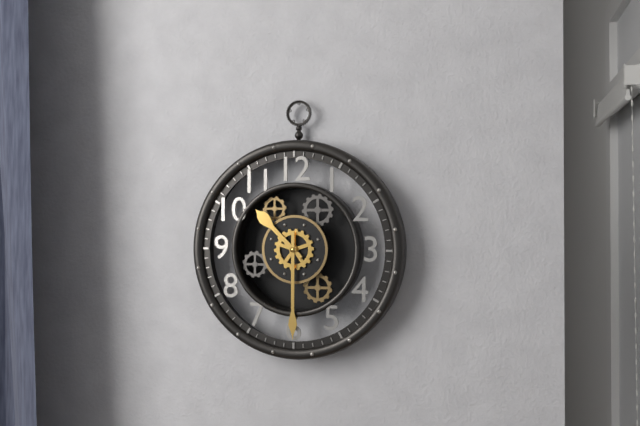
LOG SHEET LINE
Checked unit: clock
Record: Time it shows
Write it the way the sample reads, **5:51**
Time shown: **10:30**
